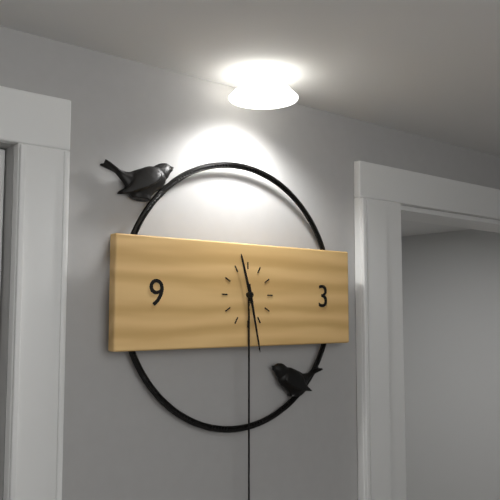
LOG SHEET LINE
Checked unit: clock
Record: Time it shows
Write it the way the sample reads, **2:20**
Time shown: **11:28**
